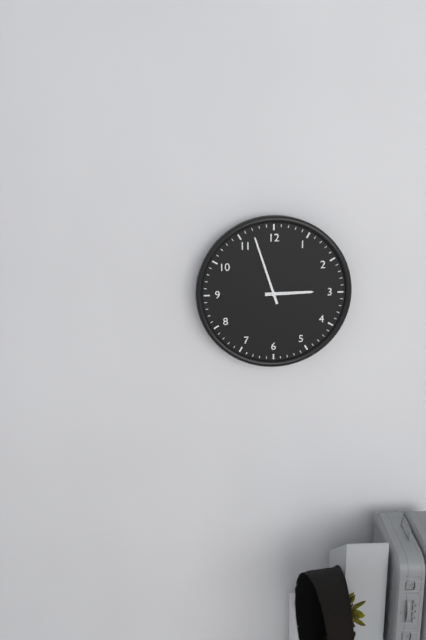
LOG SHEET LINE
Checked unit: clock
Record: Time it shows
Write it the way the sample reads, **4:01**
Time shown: **2:57**
